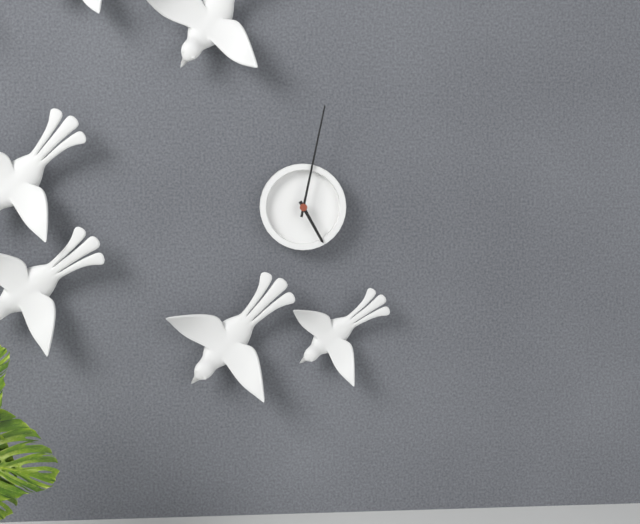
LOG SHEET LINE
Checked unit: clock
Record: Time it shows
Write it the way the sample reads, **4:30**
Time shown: **5:02**
